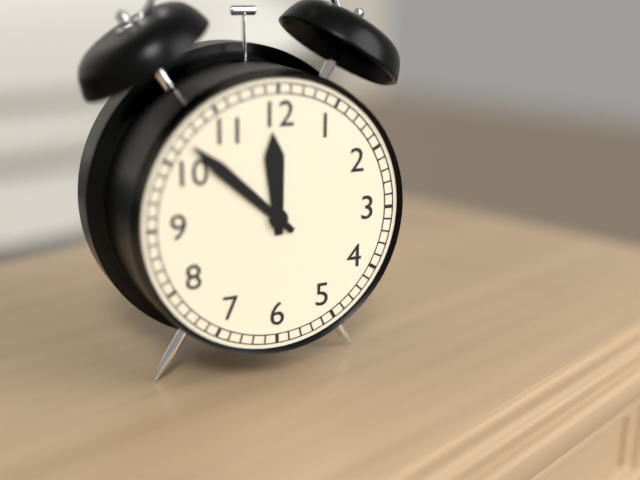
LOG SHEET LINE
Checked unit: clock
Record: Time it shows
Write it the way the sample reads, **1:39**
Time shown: **11:52**
